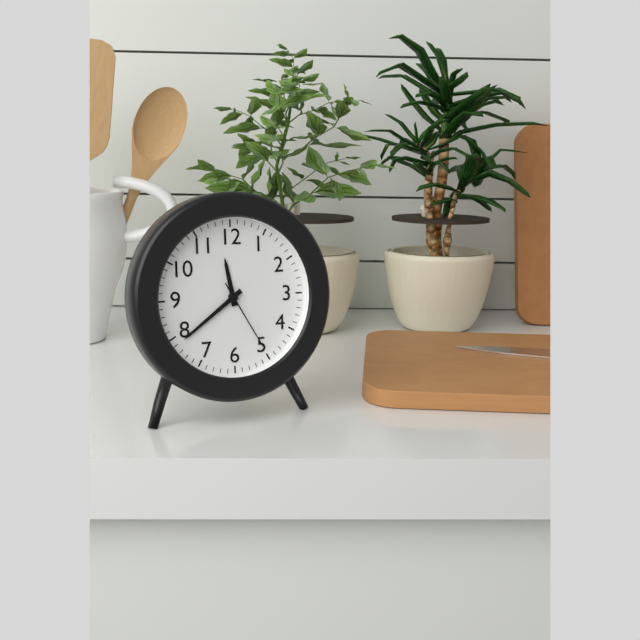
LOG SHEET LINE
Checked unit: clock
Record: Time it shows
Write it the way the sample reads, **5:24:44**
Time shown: **11:39:25**
